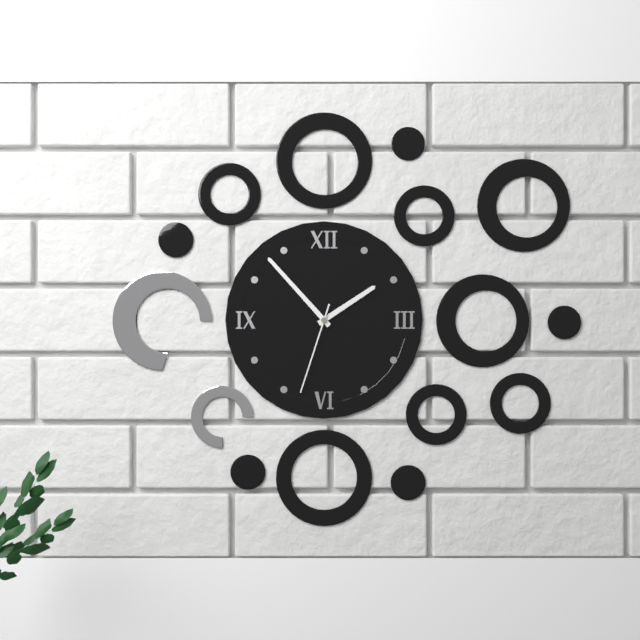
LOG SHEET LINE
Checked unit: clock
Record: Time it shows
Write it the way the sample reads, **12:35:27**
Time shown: **1:53:33**
